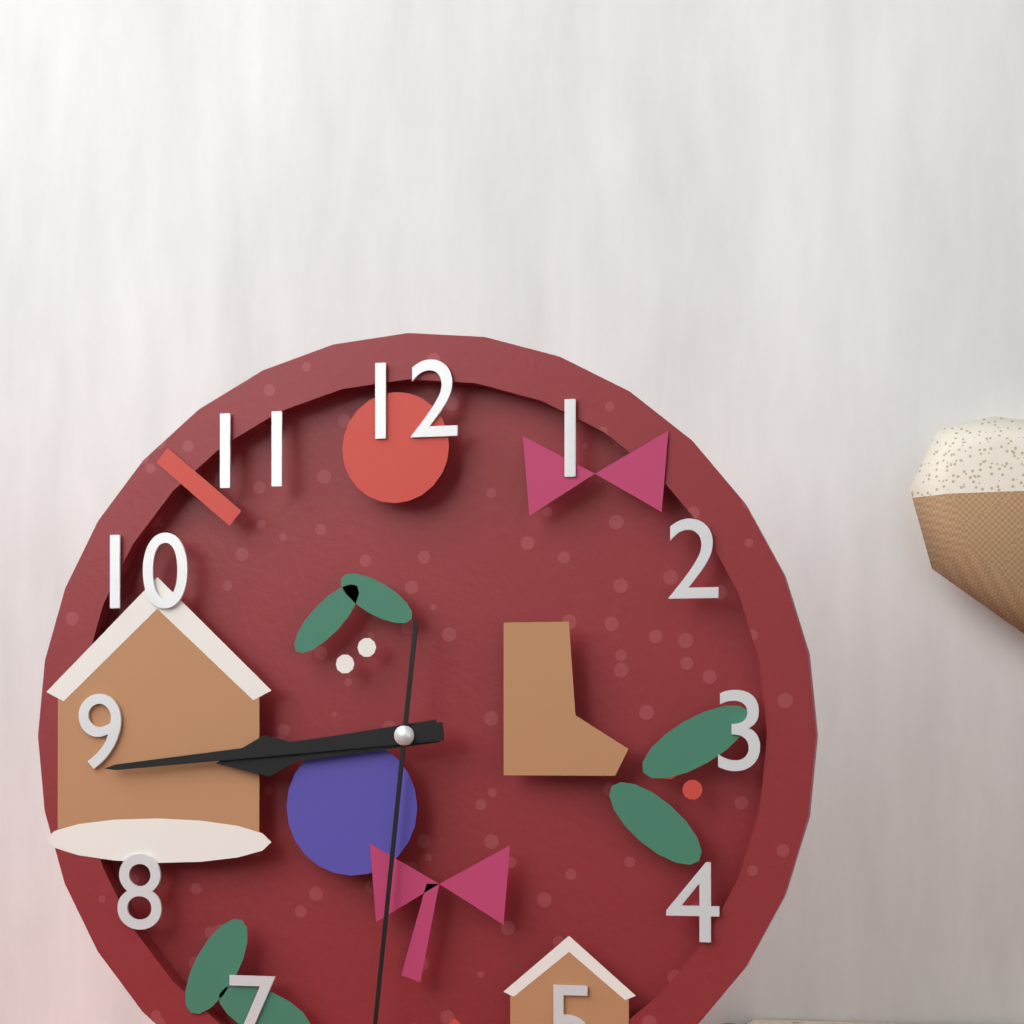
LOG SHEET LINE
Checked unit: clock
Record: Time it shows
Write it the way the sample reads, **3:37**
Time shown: **8:44**
